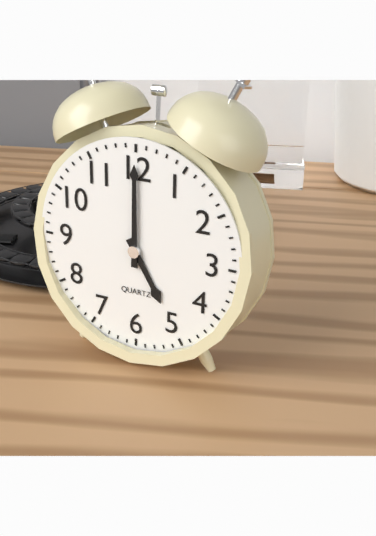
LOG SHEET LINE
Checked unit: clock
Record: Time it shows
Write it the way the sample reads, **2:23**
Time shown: **5:00**
